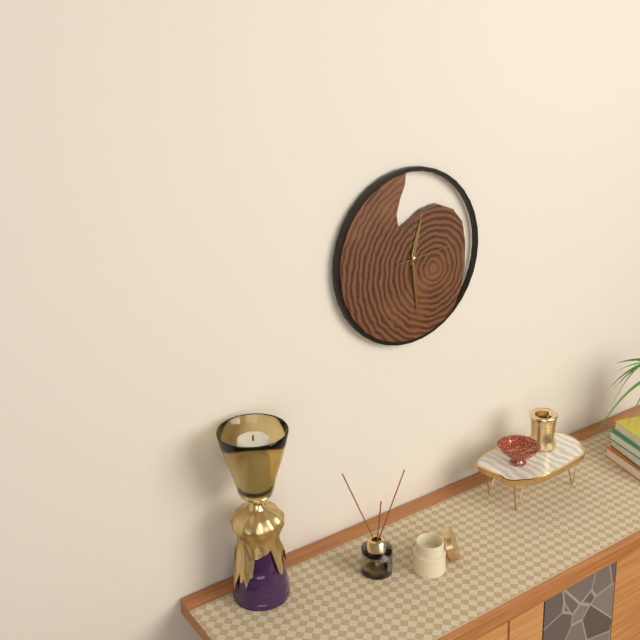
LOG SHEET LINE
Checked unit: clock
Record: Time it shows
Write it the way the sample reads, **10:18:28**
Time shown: **12:29:14**
